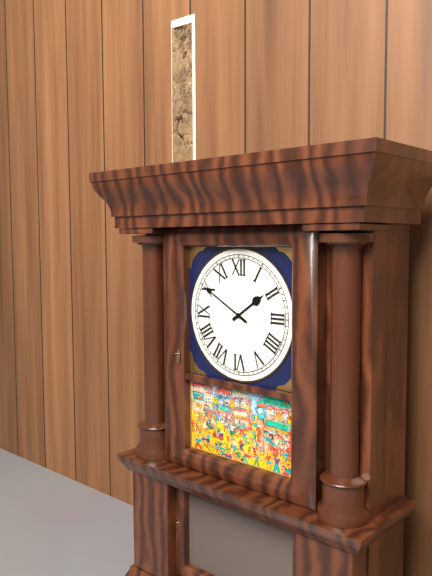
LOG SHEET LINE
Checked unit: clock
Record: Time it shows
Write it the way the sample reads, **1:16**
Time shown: **1:50**
